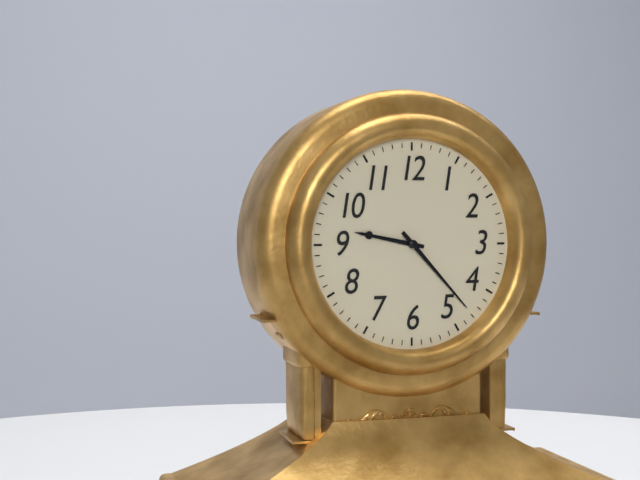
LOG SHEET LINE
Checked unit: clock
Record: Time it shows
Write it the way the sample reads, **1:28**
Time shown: **9:23**
